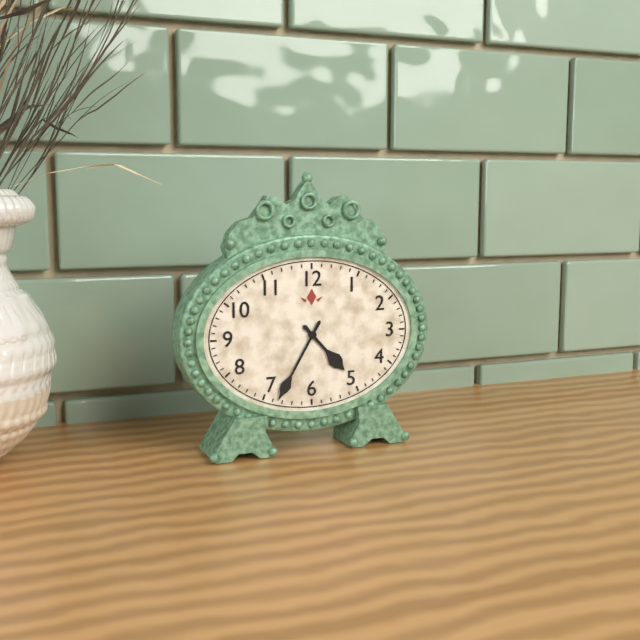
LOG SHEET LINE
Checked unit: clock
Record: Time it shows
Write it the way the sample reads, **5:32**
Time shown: **4:35**
